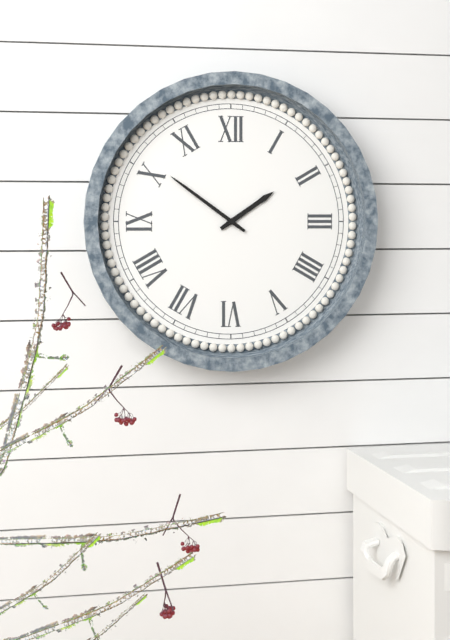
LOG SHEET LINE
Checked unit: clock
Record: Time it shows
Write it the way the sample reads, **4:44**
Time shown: **1:51**
